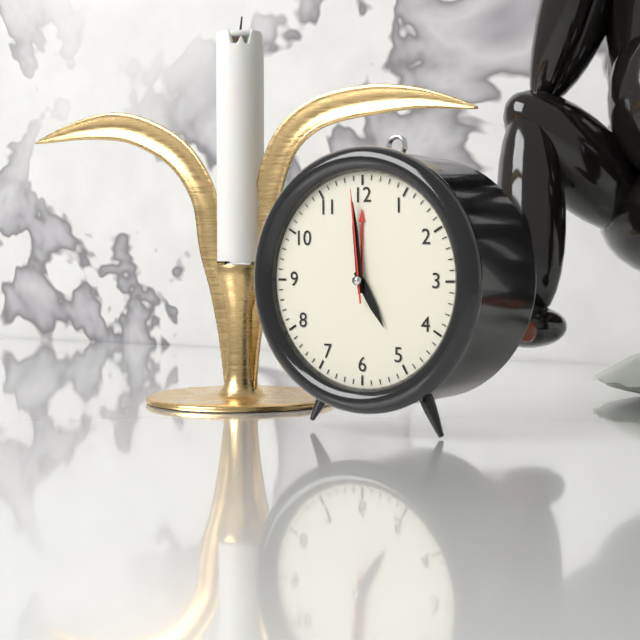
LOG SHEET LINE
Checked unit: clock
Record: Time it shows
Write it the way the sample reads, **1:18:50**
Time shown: **4:59:59**
